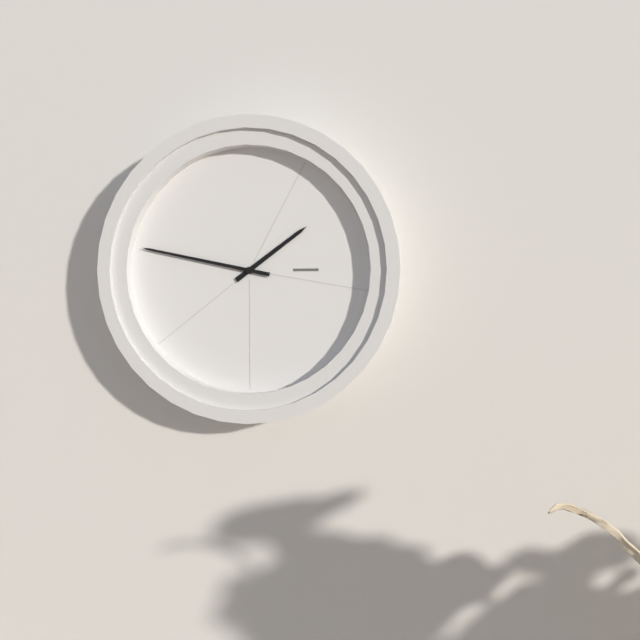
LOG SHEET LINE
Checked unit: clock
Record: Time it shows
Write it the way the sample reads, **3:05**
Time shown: **1:47**
